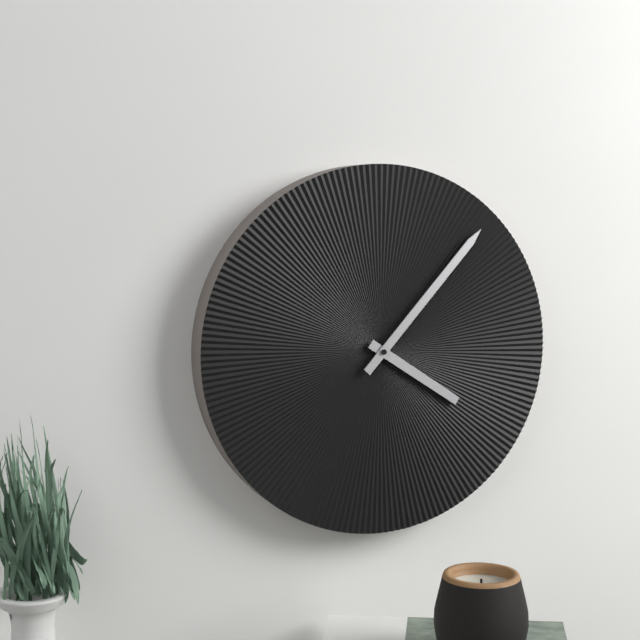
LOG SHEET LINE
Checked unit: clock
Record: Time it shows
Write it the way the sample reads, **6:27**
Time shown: **4:07**
